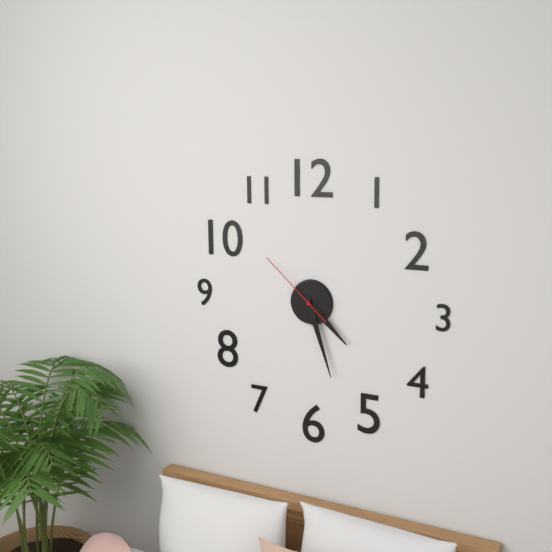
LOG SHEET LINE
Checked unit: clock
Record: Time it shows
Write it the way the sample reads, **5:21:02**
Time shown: **4:27:52**
